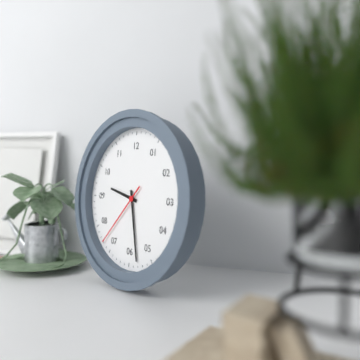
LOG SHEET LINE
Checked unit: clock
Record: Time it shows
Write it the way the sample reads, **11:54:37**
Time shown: **9:28:37**
